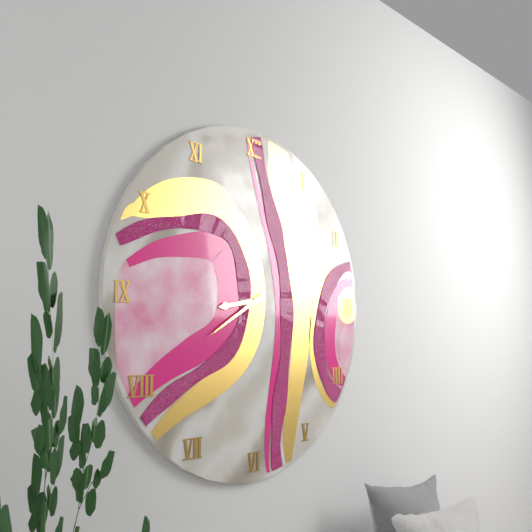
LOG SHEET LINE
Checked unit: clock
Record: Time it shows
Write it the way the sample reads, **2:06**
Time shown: **8:40**
